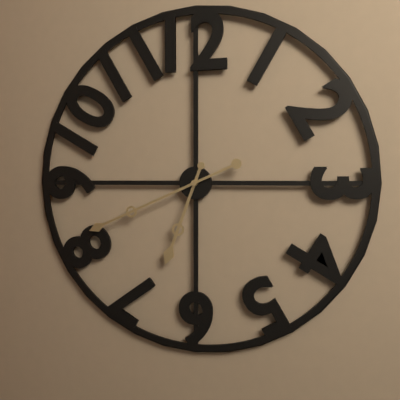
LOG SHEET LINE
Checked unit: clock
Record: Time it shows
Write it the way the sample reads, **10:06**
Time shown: **6:41**
